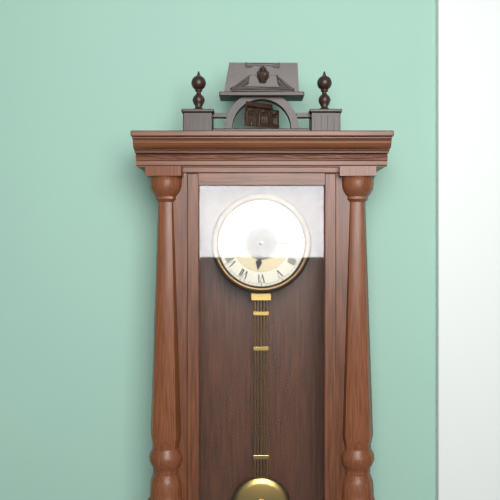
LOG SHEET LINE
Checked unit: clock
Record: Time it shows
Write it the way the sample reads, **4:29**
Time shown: **6:15**
